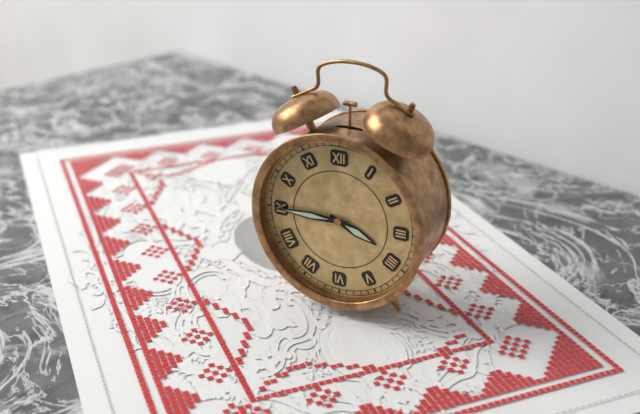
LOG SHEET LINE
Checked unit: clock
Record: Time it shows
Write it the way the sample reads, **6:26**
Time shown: **3:45**
